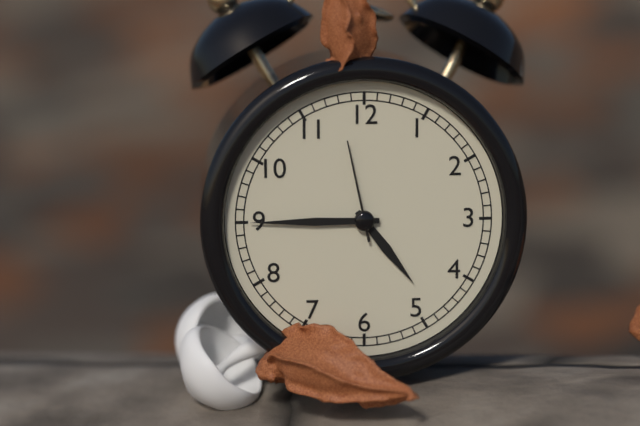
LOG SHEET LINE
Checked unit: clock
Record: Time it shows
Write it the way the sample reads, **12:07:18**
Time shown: **4:45:58**
